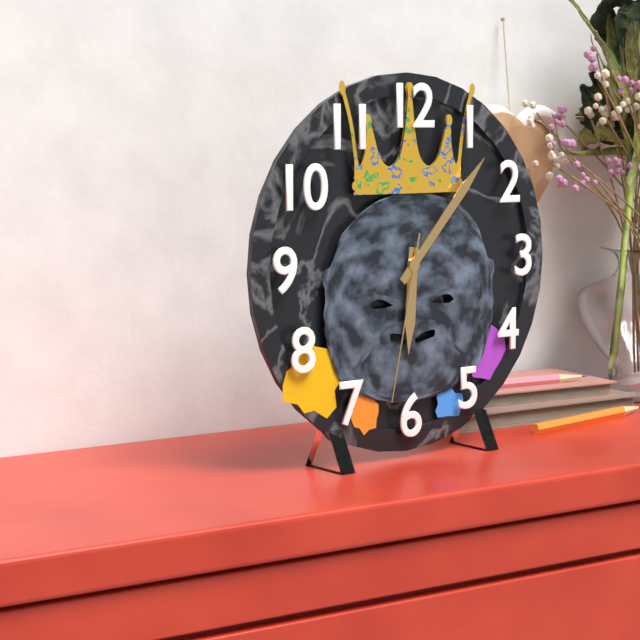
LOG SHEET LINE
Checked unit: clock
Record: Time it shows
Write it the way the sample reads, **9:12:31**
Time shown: **6:07:32**
